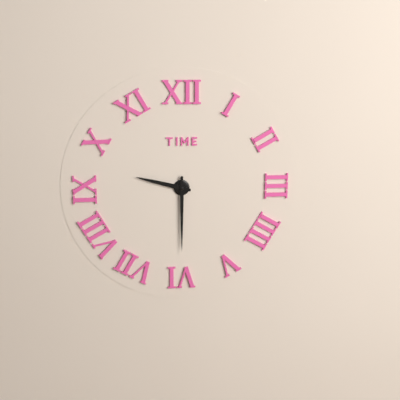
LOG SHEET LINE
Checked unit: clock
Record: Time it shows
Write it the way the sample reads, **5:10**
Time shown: **9:30**
